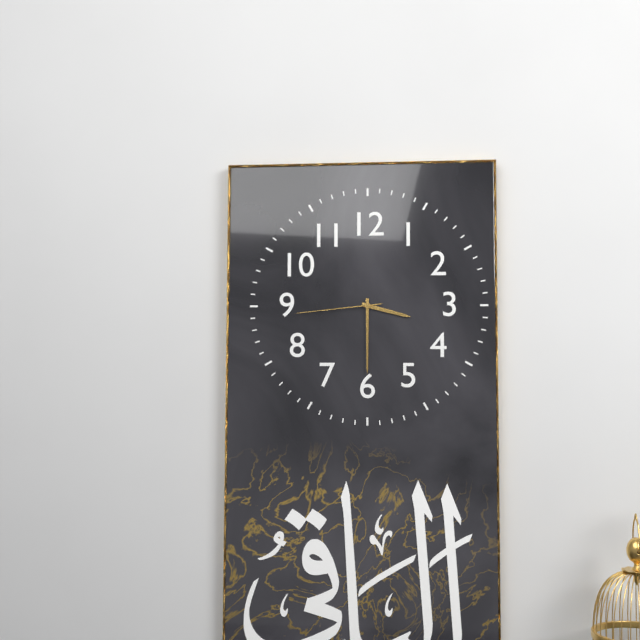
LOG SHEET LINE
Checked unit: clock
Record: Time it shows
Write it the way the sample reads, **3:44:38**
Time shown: **3:30:44**
